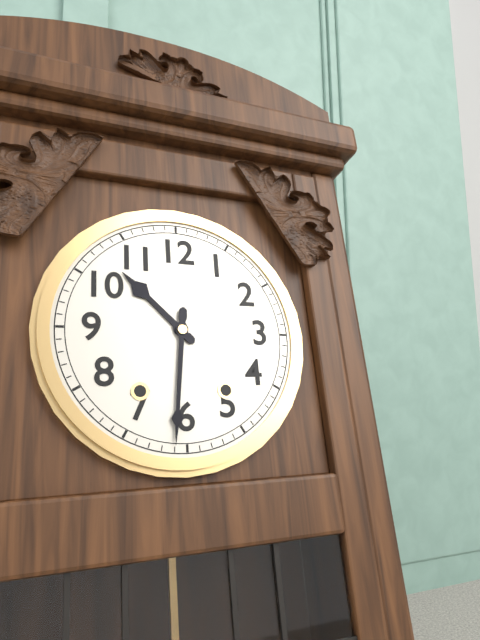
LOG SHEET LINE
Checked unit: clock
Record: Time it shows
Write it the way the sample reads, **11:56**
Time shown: **10:31**
